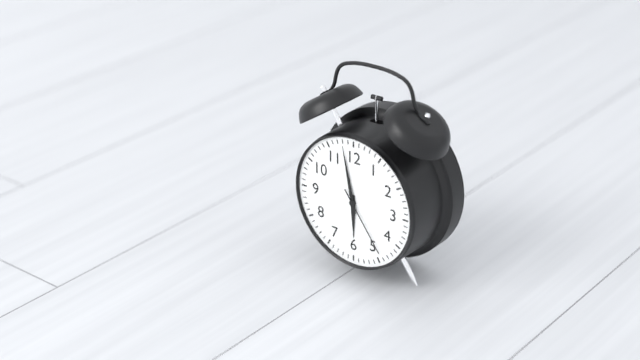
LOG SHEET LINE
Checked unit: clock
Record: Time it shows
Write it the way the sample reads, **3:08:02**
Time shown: **5:58:24**
